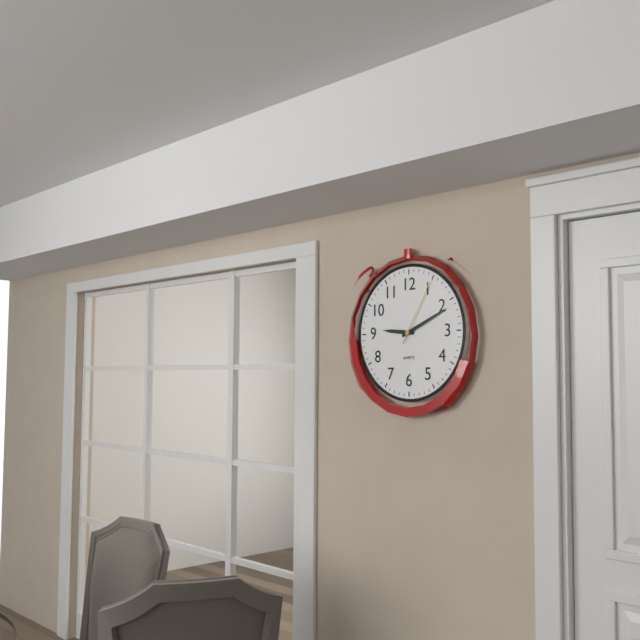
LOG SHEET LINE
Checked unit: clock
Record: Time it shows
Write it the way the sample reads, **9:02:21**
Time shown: **9:11:05**
